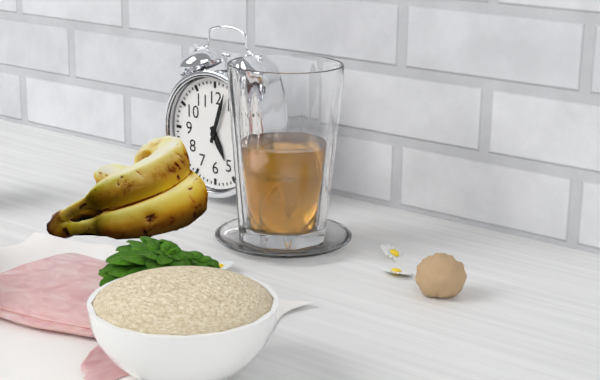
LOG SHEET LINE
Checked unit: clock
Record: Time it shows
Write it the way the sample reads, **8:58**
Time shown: **5:03**
